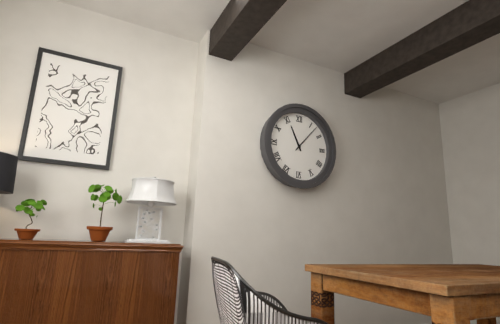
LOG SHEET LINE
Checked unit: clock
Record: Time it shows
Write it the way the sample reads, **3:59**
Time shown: **11:07**
